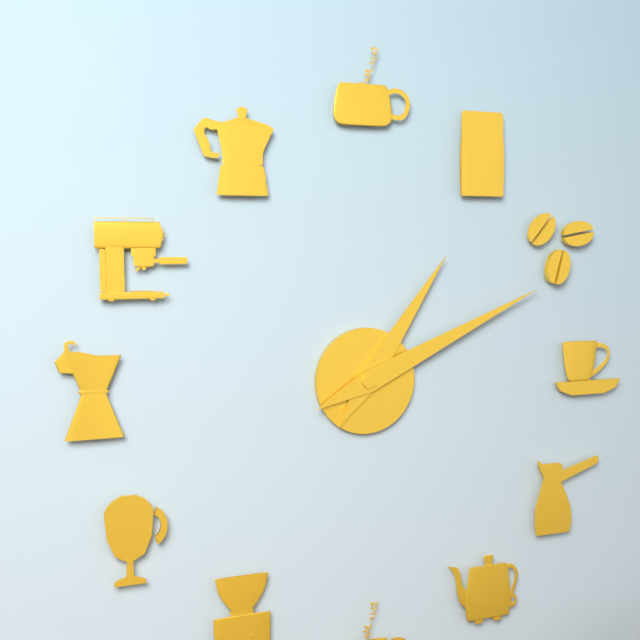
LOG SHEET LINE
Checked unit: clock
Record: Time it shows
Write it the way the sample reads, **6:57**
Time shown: **1:11**
